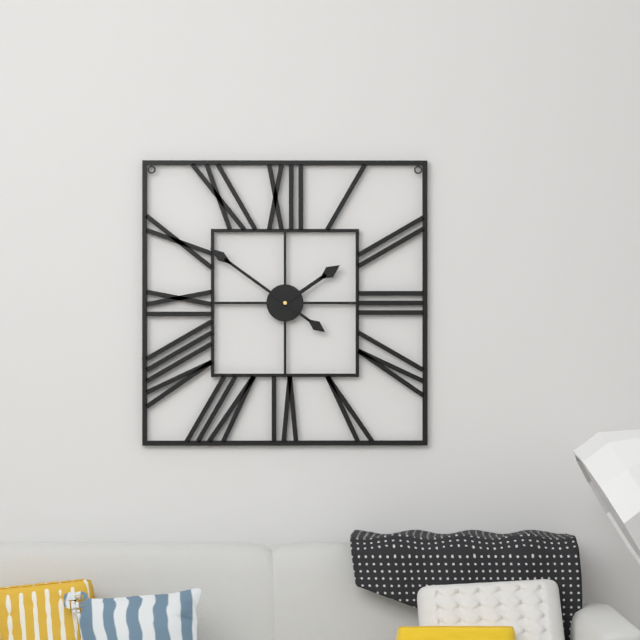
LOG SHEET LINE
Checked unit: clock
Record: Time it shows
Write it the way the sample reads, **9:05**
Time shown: **1:51**
